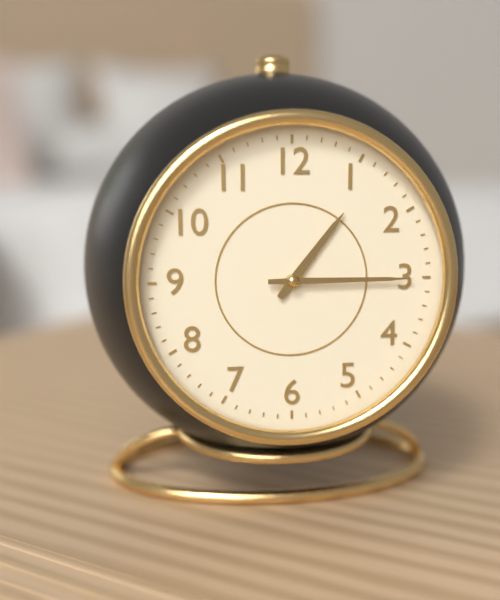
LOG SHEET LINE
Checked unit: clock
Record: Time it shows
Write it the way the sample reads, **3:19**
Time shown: **1:15**
